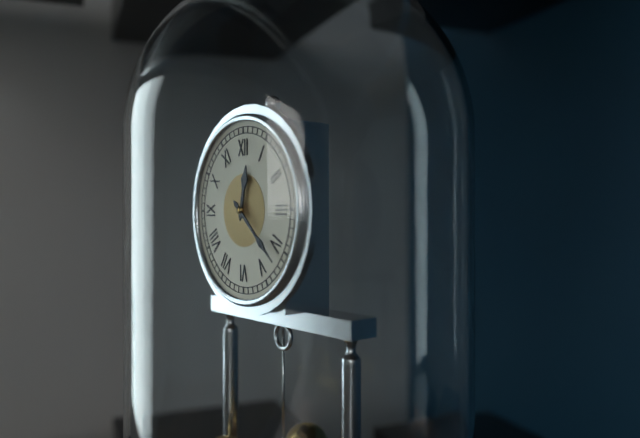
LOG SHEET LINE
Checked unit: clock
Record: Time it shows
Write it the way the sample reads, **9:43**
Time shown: **12:22**
